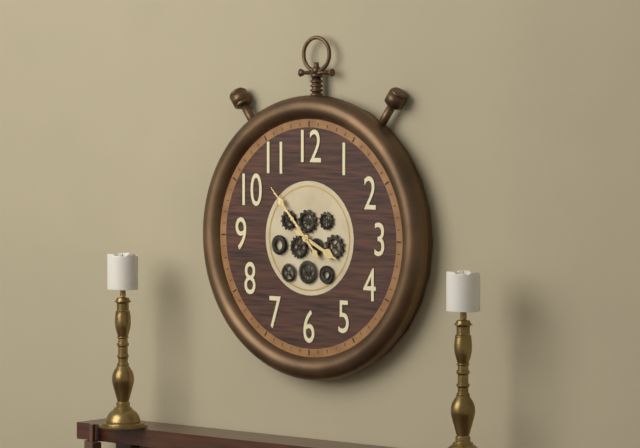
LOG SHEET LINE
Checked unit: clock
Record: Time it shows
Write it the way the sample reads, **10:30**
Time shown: **3:53**
